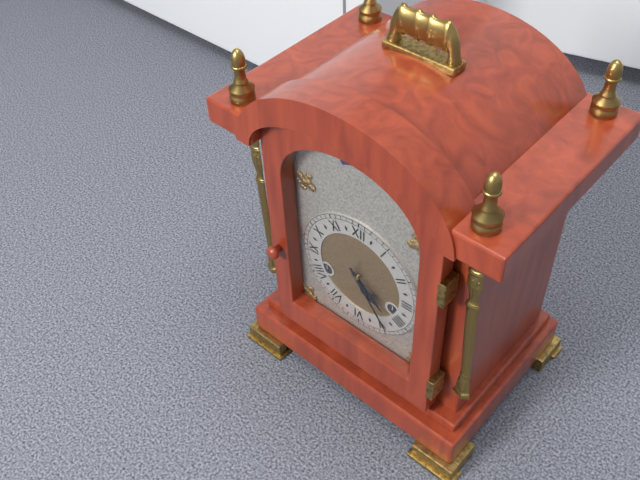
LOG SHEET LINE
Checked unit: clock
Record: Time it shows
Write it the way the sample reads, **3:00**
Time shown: **4:24**
